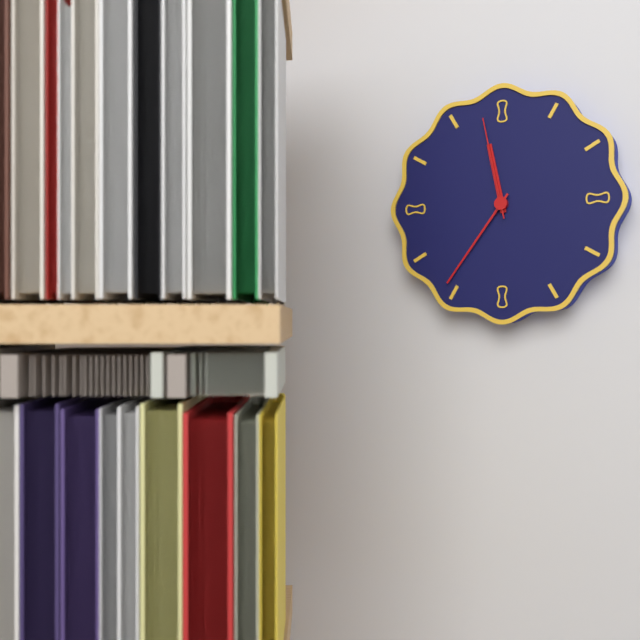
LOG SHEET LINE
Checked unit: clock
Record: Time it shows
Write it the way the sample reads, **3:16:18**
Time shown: **11:36:58**
